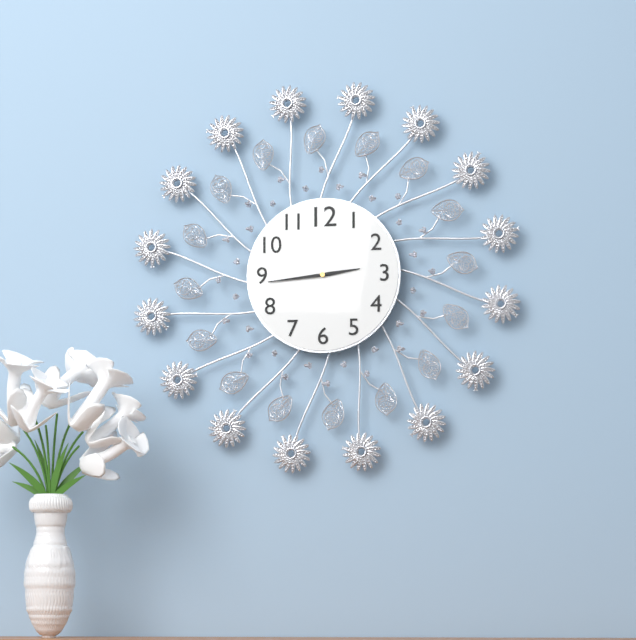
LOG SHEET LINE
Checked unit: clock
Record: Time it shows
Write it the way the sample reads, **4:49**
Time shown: **2:44**
